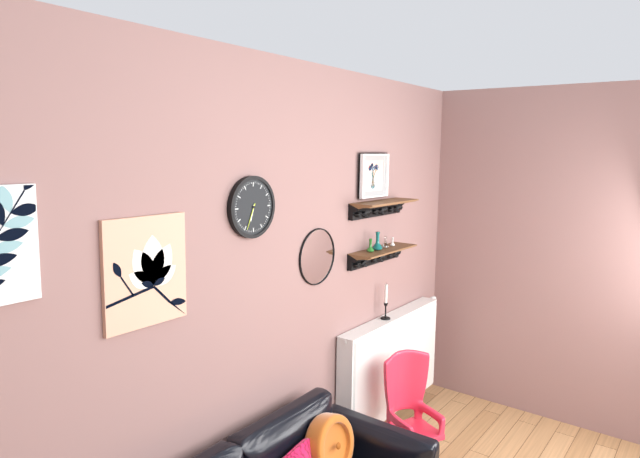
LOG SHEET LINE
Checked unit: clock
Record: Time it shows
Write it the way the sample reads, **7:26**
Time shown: **6:34**
